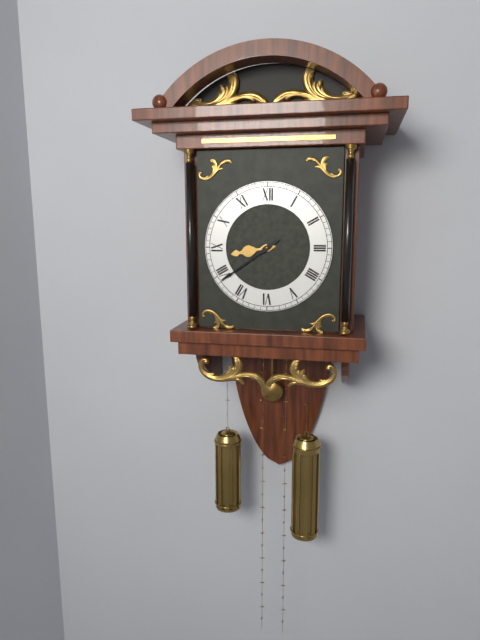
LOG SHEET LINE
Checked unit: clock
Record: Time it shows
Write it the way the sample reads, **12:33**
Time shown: **8:39**
